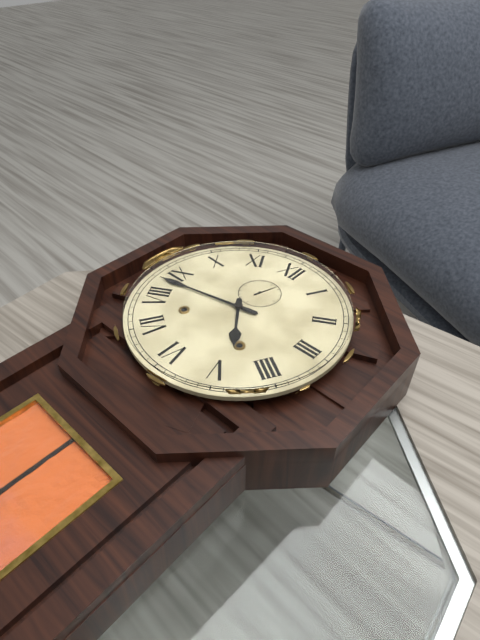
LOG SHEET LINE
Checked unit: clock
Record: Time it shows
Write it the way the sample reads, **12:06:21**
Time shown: **4:43:03**
